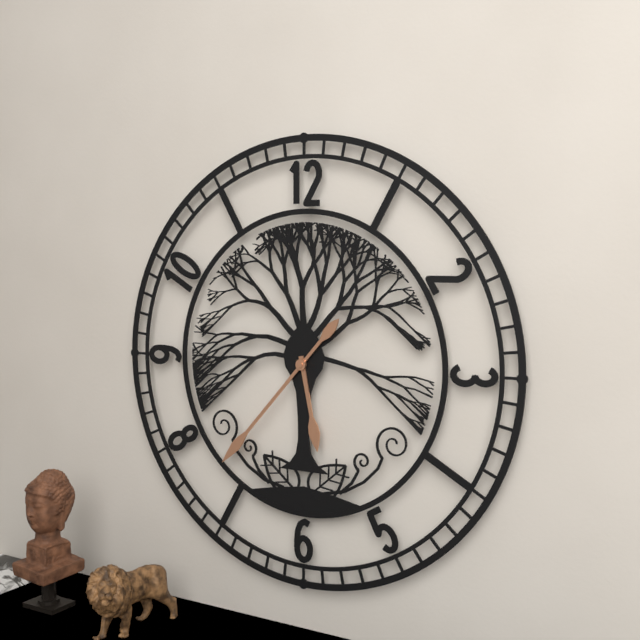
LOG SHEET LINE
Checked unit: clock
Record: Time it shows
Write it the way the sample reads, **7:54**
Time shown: **5:37**
